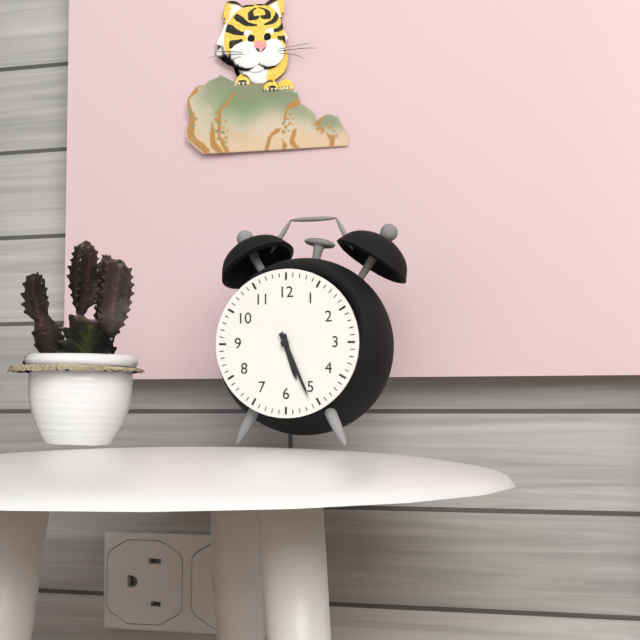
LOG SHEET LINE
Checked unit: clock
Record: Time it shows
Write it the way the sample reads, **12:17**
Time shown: **5:26**
